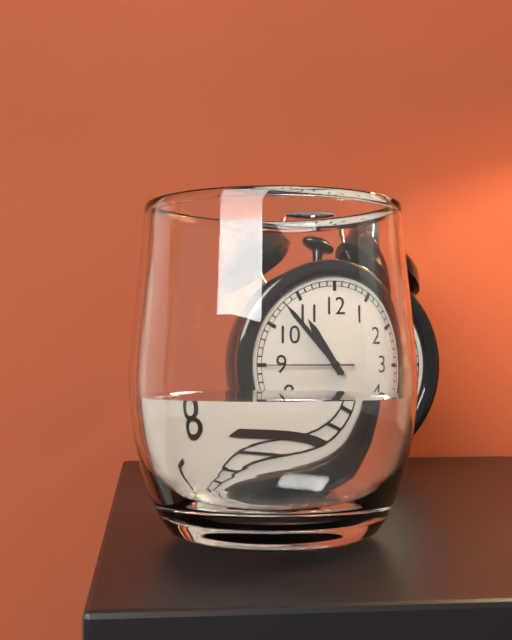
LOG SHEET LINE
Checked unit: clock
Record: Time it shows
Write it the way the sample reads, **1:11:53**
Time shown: **10:53:45**
